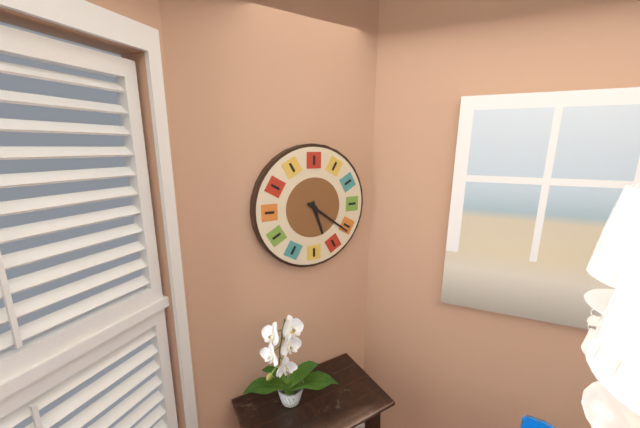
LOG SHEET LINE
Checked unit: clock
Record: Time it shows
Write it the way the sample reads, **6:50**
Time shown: **5:21**
